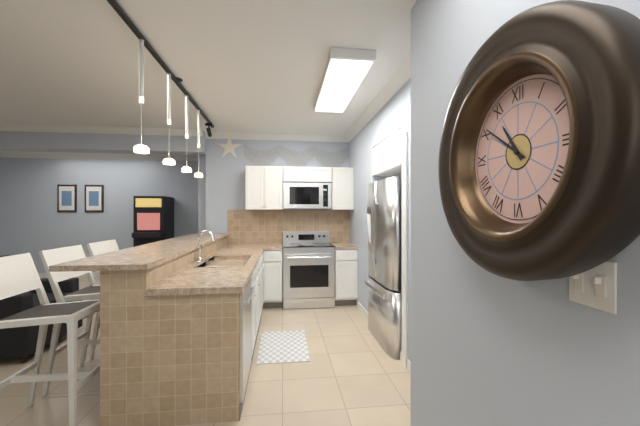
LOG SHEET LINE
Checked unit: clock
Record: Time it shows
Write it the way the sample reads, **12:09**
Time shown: **10:51**
